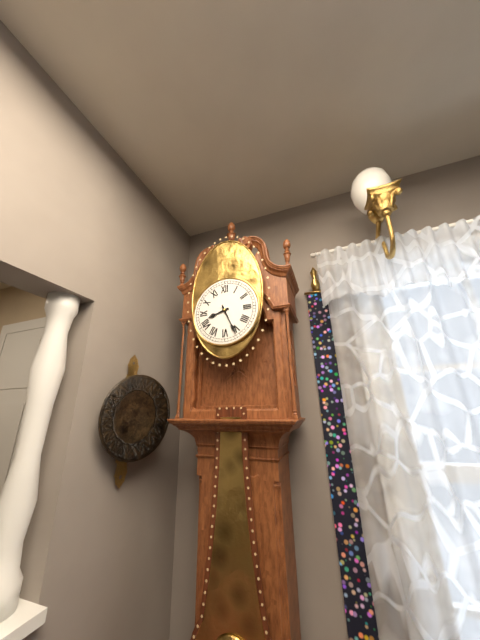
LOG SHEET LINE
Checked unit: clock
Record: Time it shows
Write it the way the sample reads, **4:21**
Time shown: **8:26**
